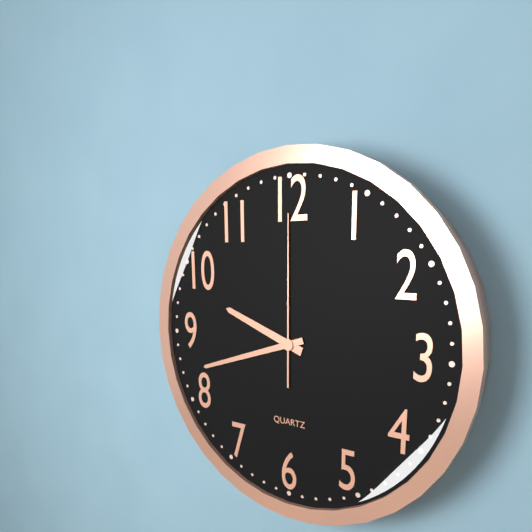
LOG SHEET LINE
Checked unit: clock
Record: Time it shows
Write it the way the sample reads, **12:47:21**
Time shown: **9:42:00**
